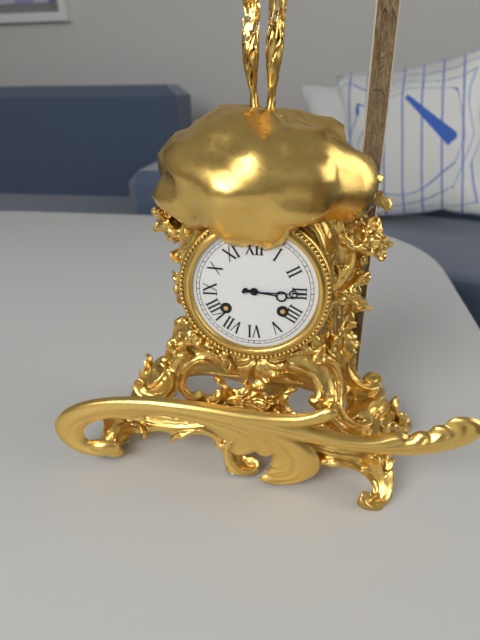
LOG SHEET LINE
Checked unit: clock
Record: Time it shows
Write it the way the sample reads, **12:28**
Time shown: **3:15**
